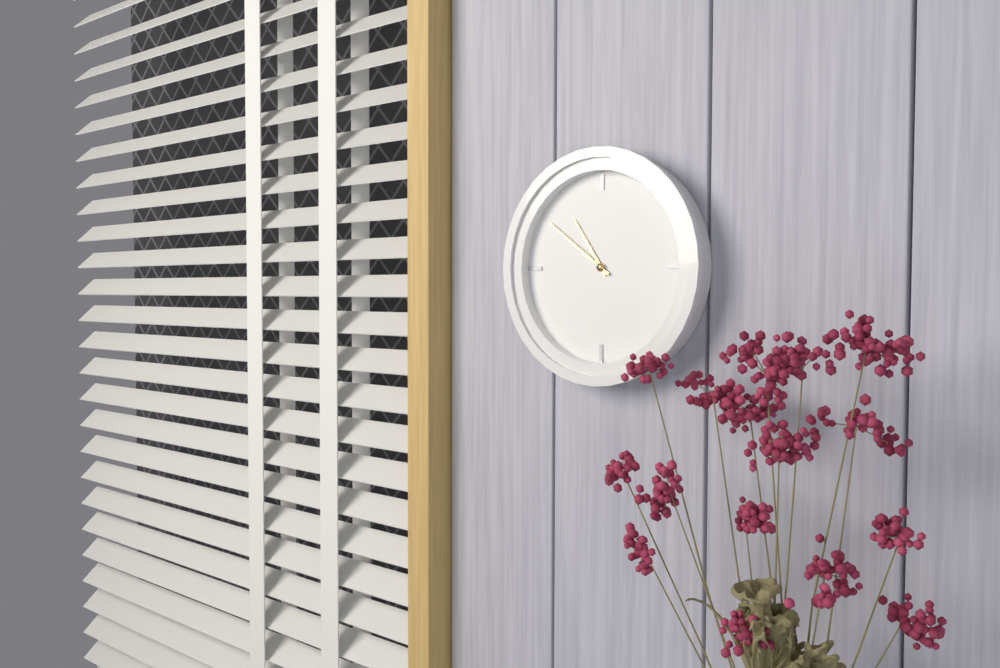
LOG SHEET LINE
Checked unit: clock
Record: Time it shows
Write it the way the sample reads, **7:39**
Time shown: **10:51**
